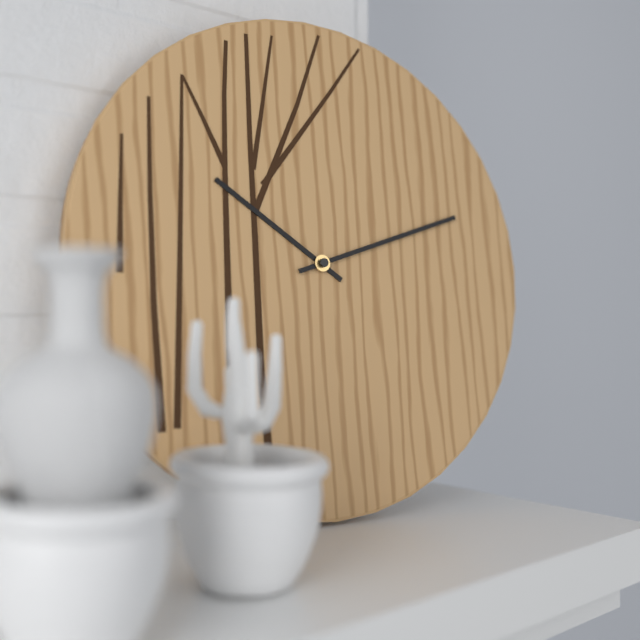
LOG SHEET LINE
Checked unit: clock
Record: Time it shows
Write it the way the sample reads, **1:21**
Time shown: **10:12**
